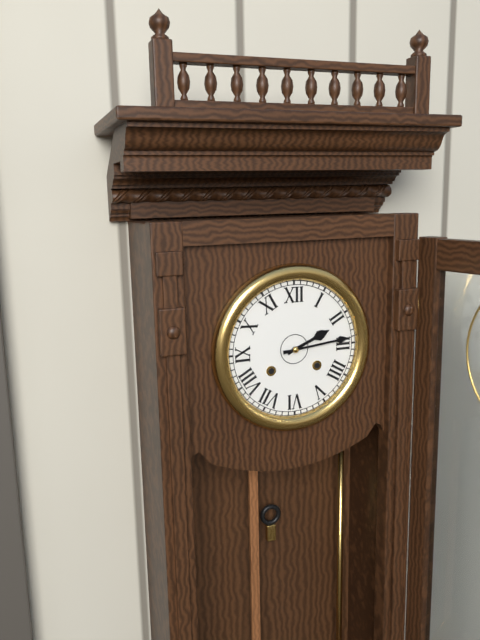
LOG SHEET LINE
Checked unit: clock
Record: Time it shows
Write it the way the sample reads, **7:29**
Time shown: **2:14**
